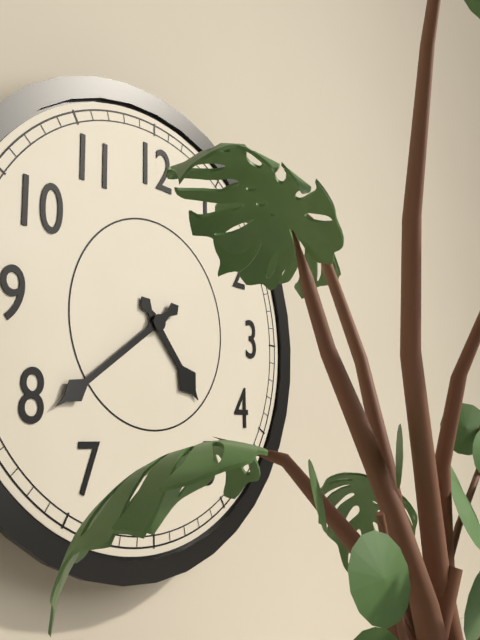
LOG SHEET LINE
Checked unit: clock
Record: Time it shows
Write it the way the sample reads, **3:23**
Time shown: **4:39**
